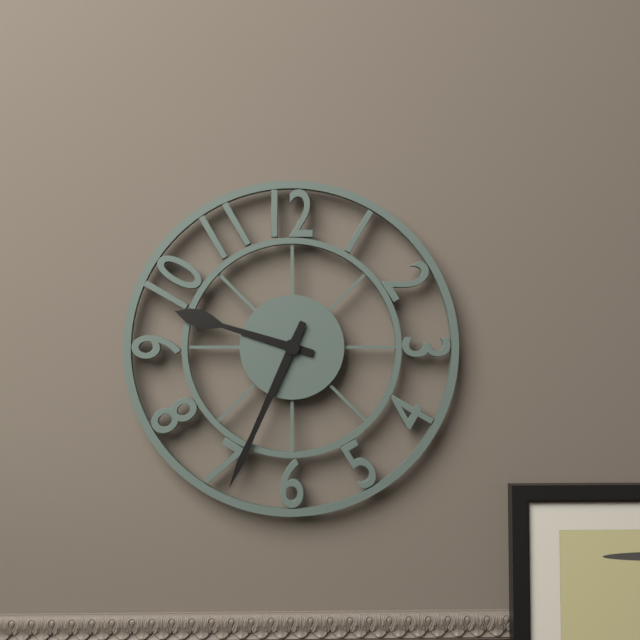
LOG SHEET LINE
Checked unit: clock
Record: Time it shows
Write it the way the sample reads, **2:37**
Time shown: **9:34**
